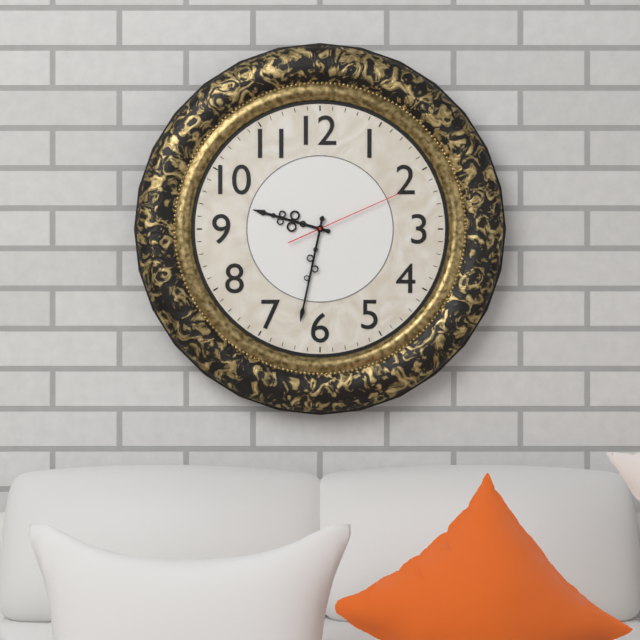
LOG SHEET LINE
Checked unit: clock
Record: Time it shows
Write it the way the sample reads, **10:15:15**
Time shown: **9:32:11**
